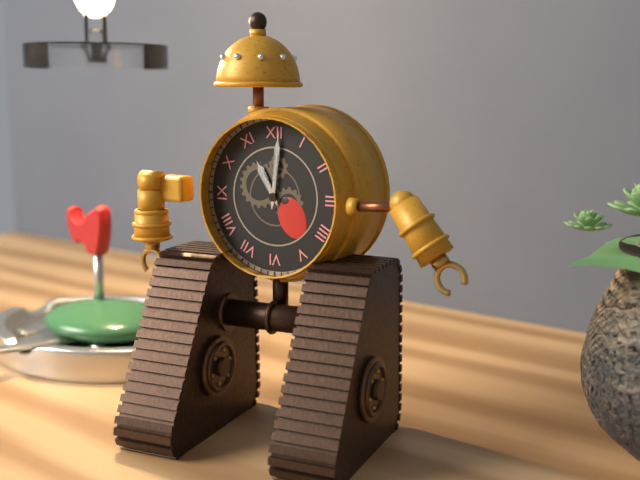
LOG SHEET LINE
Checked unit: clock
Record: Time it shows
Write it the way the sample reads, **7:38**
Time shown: **11:01**
